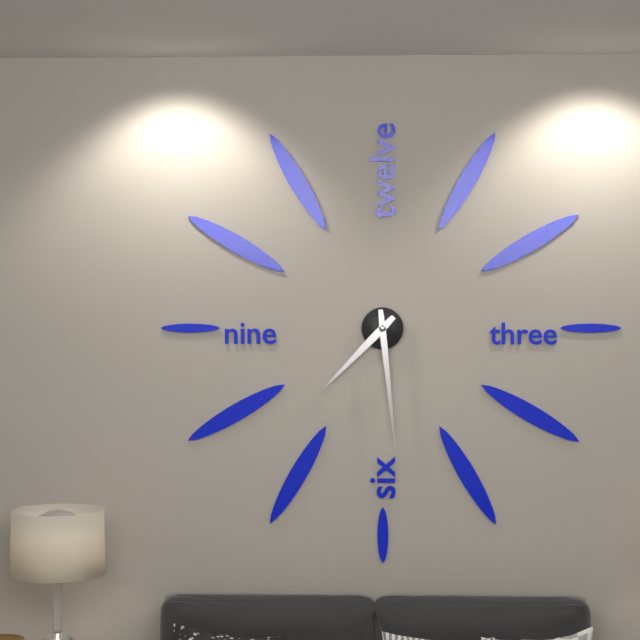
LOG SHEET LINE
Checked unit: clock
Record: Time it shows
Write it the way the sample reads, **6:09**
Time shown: **7:29**
